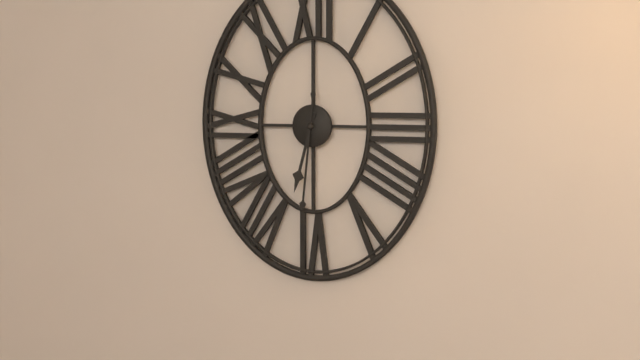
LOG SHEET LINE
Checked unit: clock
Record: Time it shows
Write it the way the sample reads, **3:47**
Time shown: **6:31**
